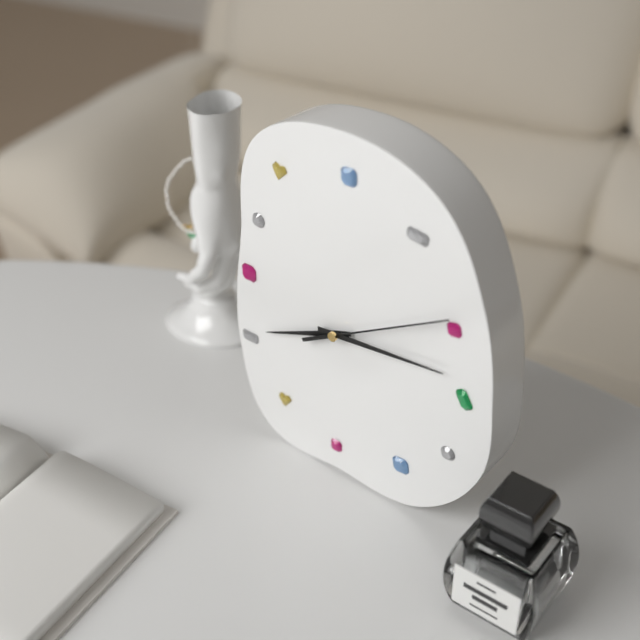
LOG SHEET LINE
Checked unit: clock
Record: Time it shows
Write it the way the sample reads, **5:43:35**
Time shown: **8:14:10**
